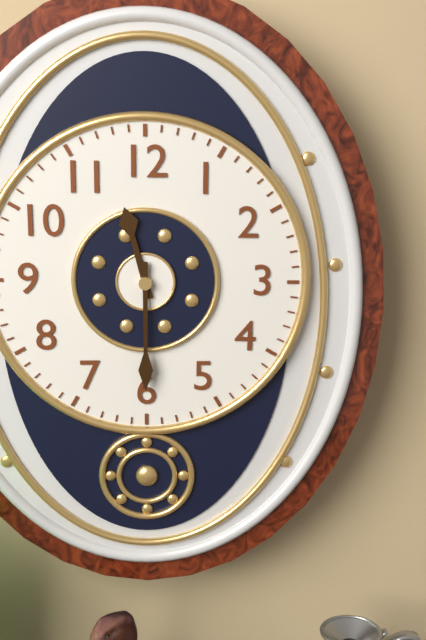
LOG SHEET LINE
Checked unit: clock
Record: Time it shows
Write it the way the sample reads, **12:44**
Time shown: **11:30**
